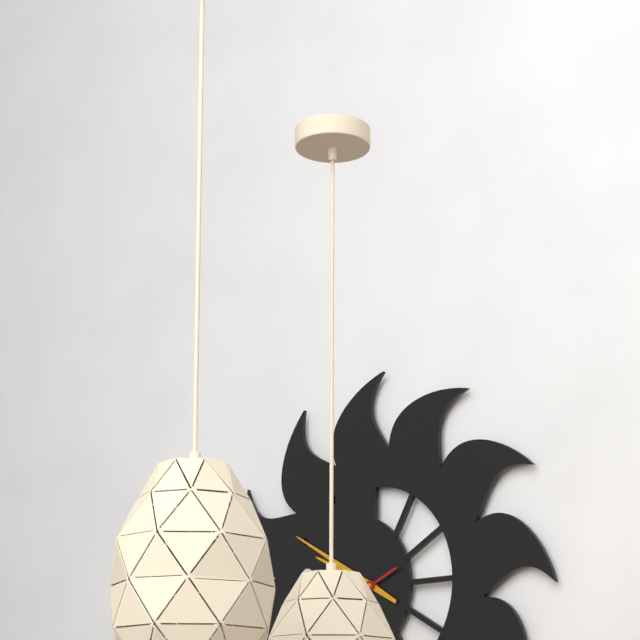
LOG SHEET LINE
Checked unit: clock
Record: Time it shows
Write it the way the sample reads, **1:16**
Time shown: **9:50**
